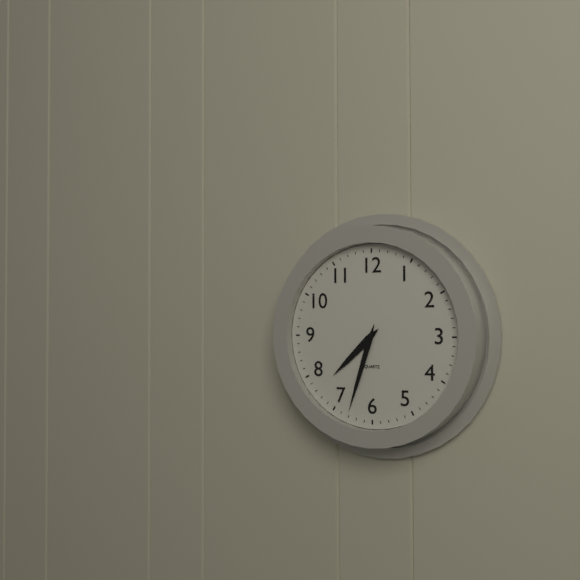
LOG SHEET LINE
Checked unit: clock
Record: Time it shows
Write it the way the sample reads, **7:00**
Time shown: **7:33**
